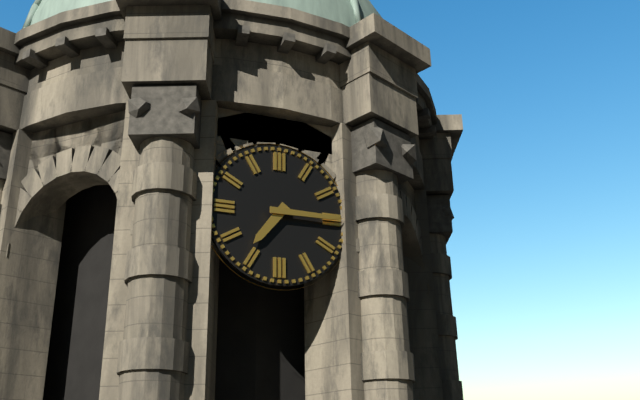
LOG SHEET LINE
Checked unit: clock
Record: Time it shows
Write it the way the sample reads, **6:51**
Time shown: **7:15**
